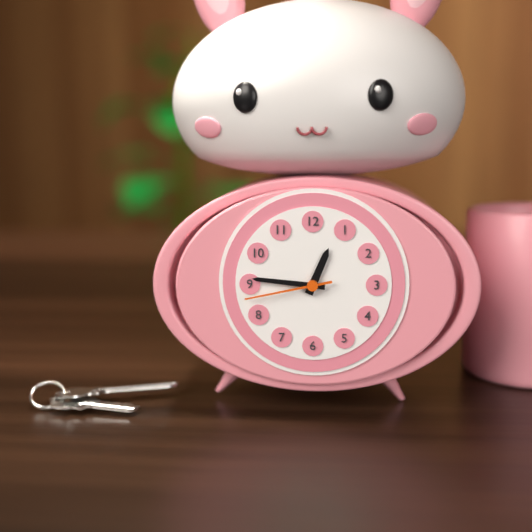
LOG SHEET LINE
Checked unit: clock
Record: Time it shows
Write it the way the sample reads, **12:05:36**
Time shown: **12:46:43**
